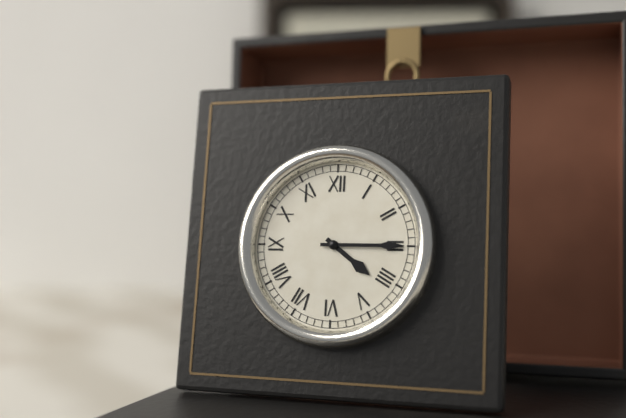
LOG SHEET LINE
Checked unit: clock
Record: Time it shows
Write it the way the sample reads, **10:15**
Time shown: **4:15**
